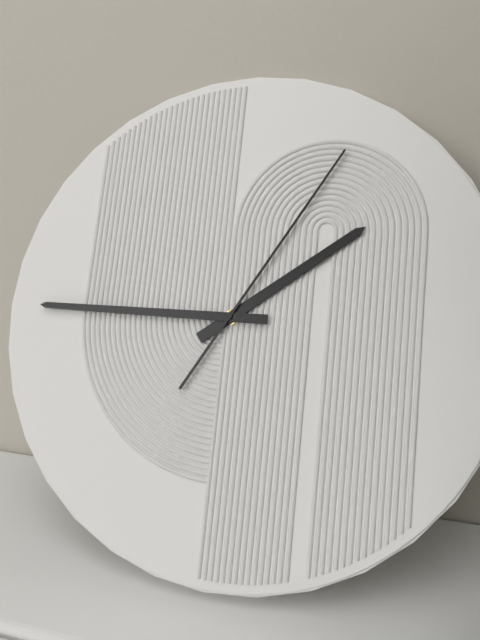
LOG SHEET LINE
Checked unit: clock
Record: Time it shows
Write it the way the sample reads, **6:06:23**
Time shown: **1:45:05**
